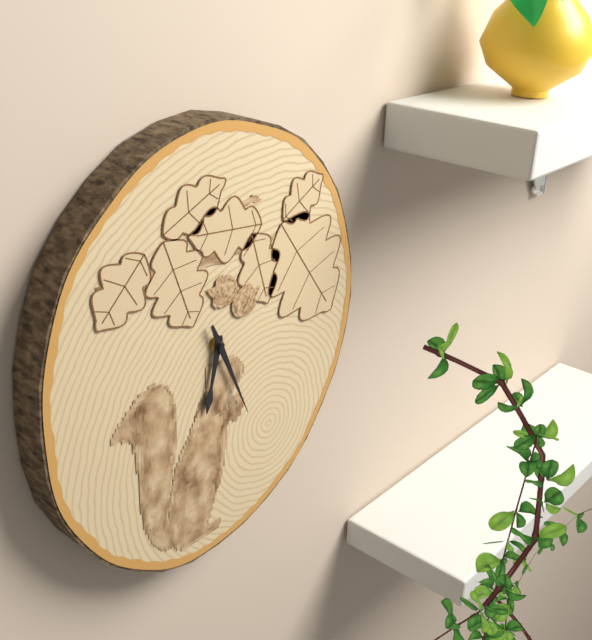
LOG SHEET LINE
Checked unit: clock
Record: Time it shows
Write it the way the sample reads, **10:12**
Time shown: **6:26**
